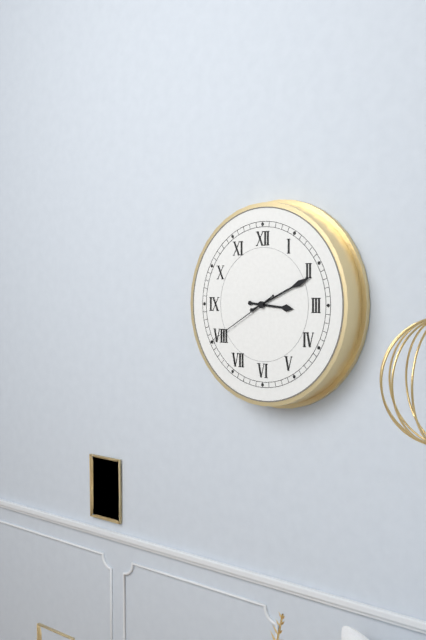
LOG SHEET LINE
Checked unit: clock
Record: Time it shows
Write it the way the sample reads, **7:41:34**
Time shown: **3:11:40**
